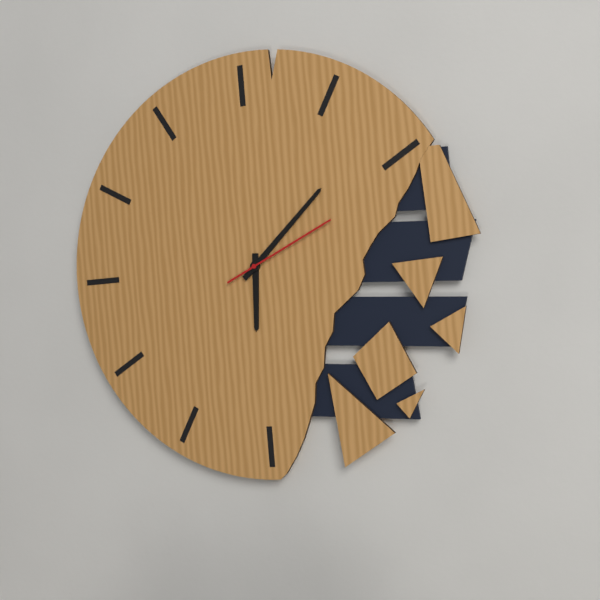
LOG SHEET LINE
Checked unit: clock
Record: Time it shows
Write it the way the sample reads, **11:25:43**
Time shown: **6:08:11**
